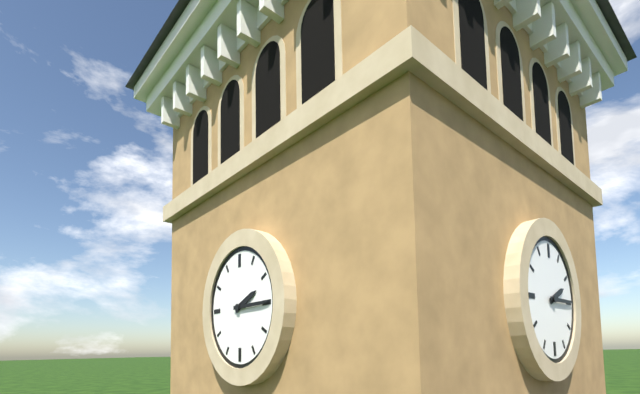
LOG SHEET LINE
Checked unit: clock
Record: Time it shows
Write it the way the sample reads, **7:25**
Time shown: **2:15**
